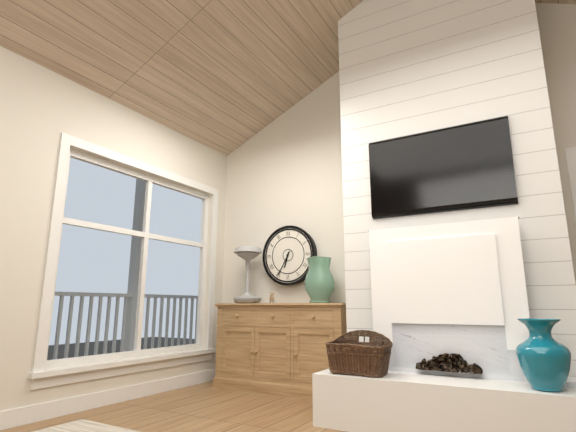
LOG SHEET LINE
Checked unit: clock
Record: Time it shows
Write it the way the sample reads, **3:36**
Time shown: **6:35**
